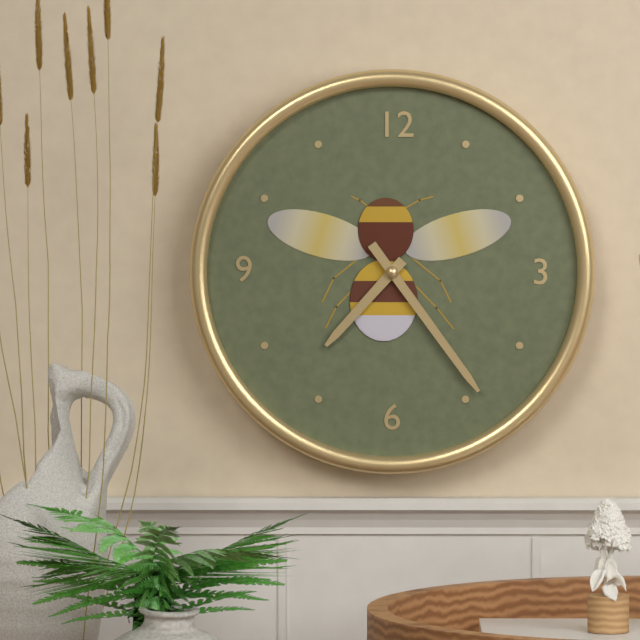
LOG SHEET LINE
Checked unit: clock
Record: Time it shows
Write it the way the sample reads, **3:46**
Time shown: **7:24**
